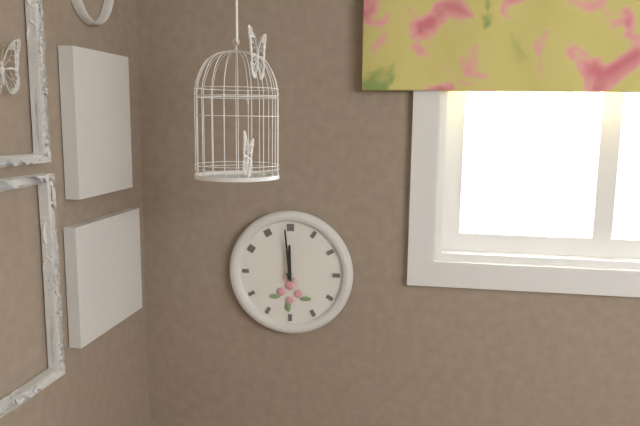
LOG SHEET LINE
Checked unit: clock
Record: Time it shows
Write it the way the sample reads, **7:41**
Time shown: **11:59**
